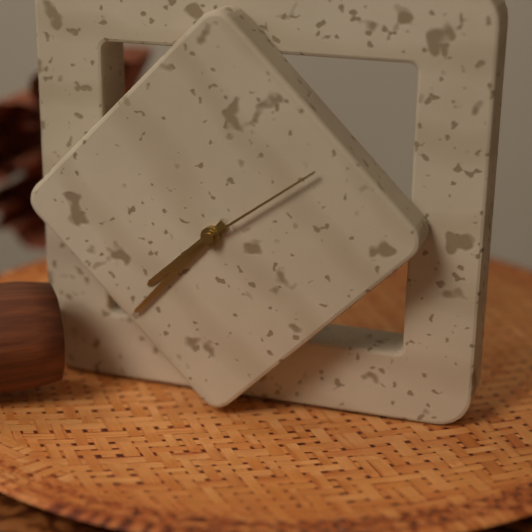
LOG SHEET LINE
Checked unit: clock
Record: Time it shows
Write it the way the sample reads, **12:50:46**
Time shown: **7:37:09**
